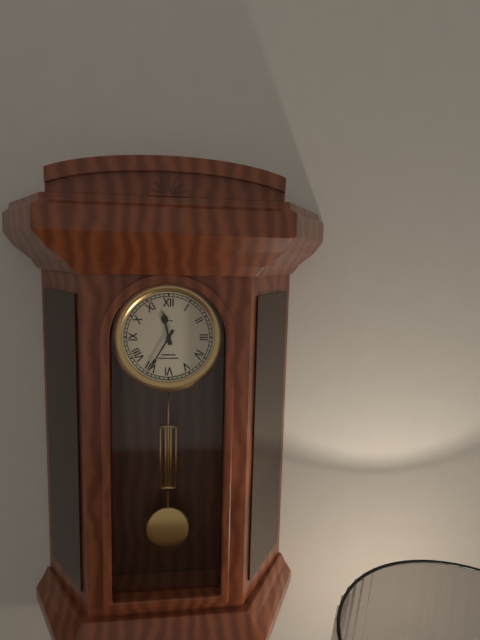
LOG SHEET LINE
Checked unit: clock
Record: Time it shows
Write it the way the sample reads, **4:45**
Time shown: **11:35**
